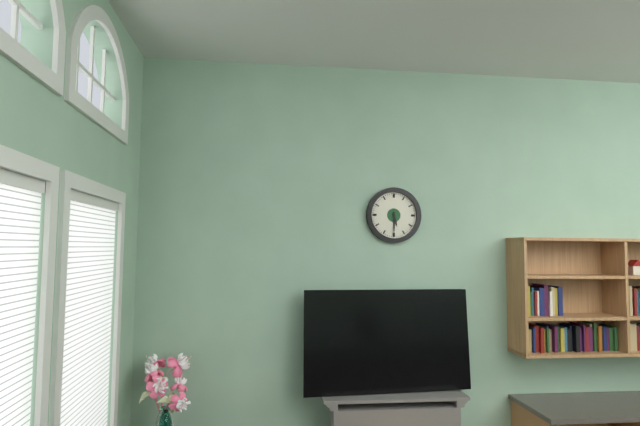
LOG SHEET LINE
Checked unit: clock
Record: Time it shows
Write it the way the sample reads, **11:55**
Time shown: **5:30**
